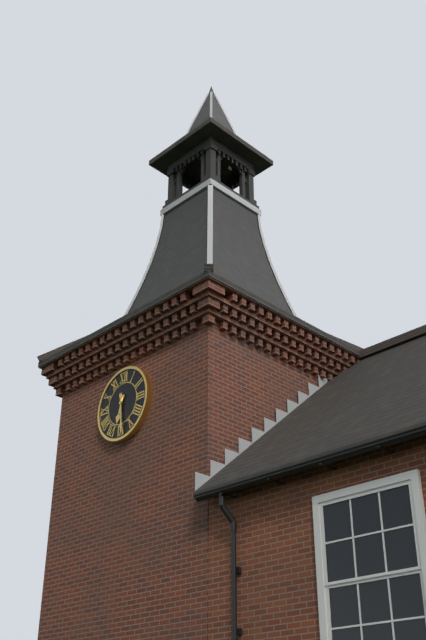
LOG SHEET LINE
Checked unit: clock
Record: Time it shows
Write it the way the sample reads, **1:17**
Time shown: **6:29**
